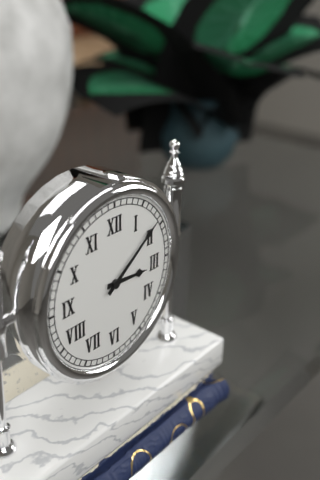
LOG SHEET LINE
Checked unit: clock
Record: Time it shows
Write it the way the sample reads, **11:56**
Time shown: **3:09**
